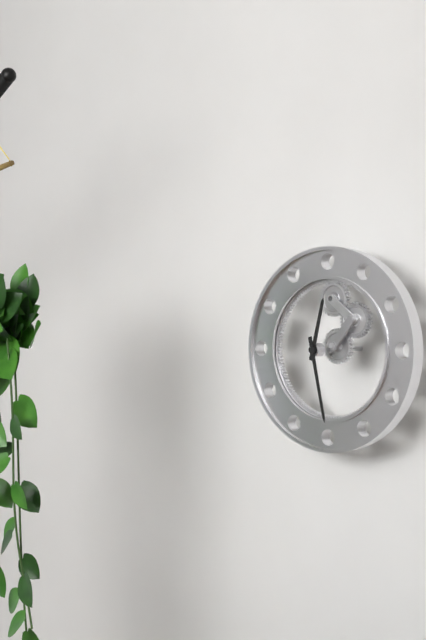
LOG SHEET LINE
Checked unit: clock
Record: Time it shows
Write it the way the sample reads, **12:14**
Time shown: **12:28**
